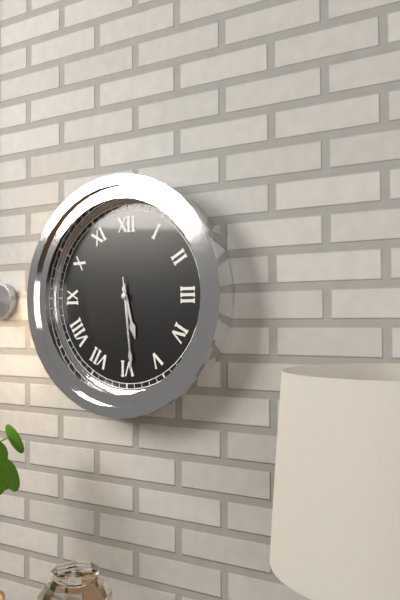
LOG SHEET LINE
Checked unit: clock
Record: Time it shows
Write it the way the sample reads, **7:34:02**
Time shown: **5:29:29**
